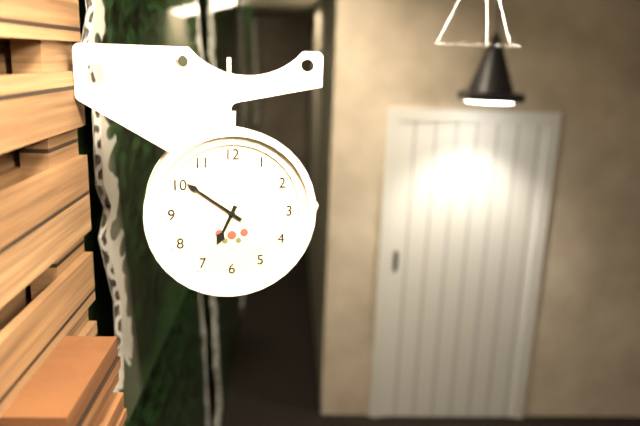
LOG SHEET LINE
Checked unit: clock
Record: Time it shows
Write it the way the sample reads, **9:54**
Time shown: **6:51**
